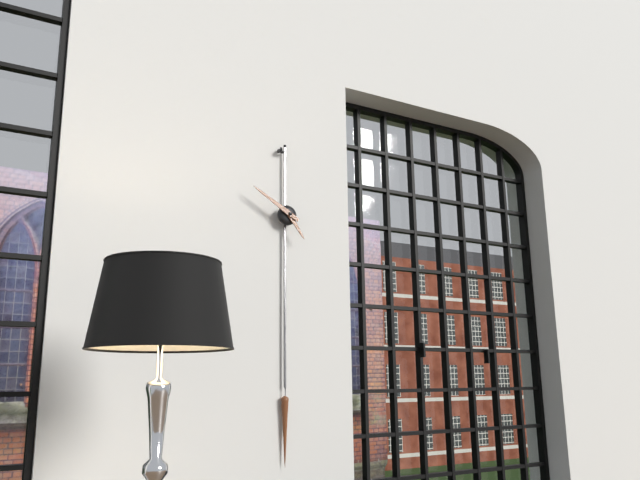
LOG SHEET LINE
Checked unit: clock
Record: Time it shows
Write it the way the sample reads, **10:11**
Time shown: **4:50**
